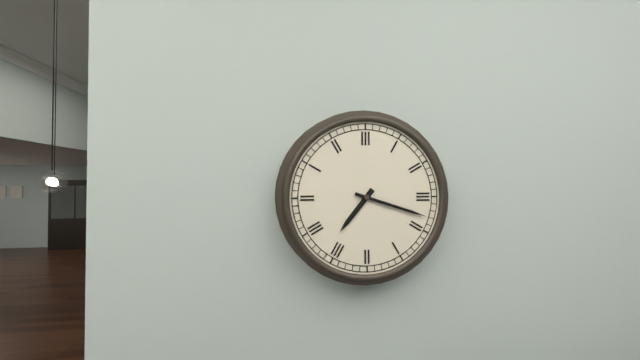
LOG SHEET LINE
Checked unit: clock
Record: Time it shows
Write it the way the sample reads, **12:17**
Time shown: **7:18**
